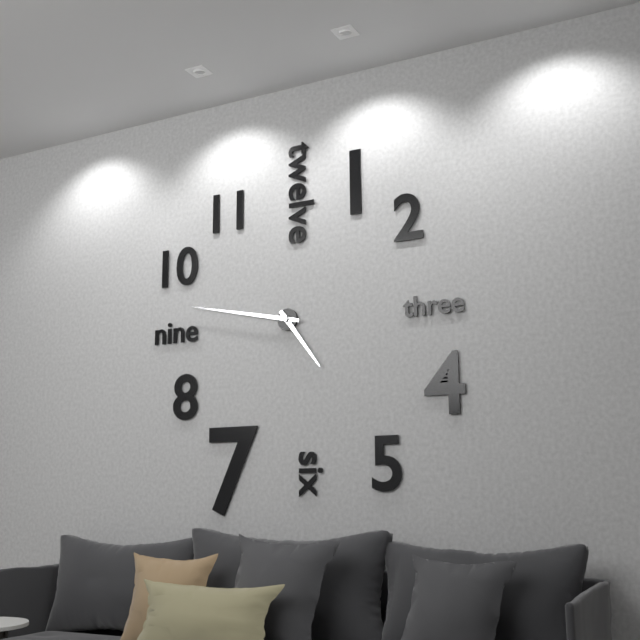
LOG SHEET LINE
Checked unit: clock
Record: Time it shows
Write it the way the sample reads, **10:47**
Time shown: **4:47**
